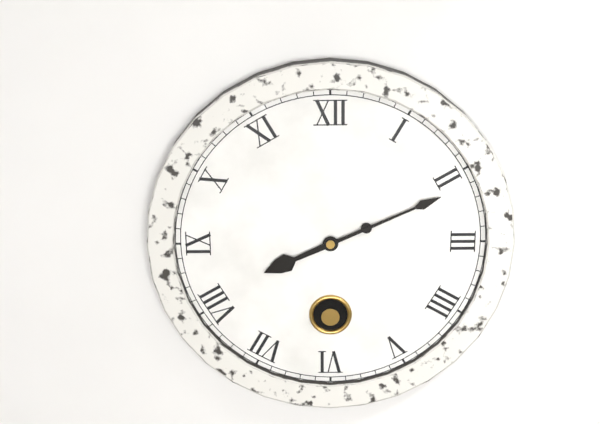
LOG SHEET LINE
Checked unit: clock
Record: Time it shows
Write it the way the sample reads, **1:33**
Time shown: **8:11**
